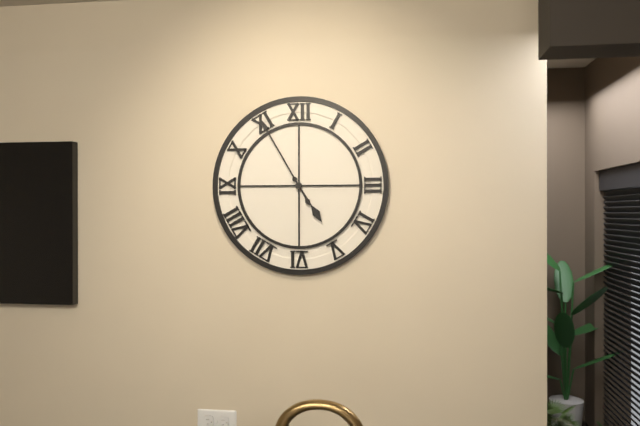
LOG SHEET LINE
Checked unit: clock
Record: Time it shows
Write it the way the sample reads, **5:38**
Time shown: **4:55**
